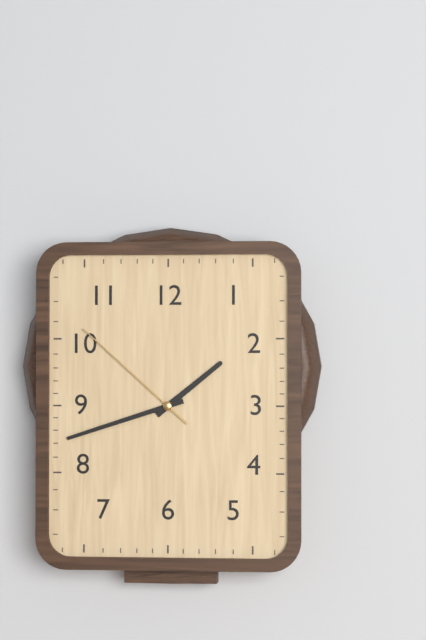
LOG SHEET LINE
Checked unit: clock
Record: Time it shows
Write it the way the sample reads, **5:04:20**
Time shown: **1:42:52**
